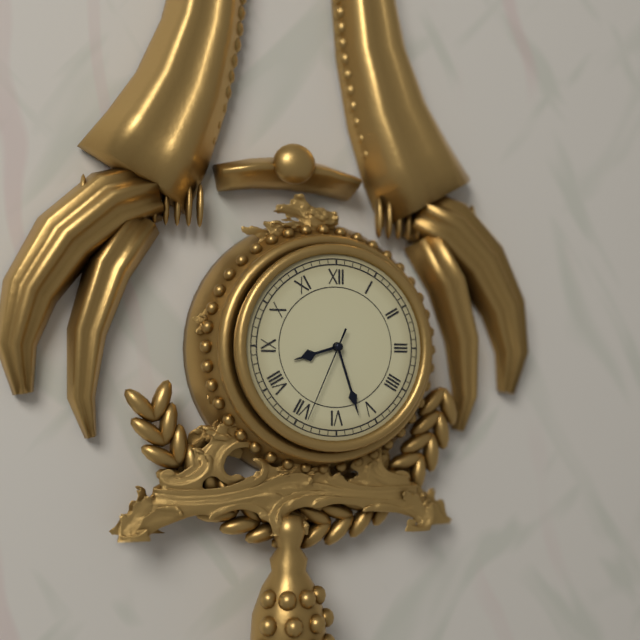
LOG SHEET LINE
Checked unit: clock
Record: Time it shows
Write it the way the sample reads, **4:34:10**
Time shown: **8:27:34**
